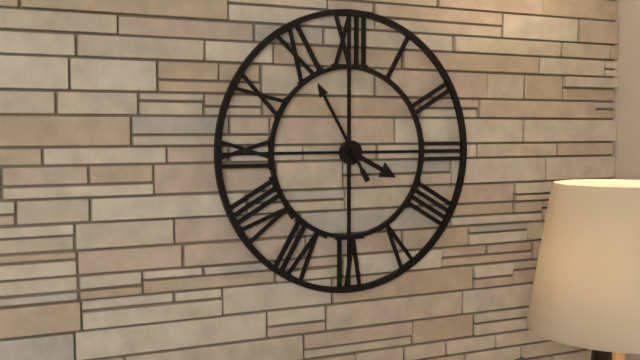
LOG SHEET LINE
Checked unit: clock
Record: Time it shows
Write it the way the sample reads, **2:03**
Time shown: **3:55**
